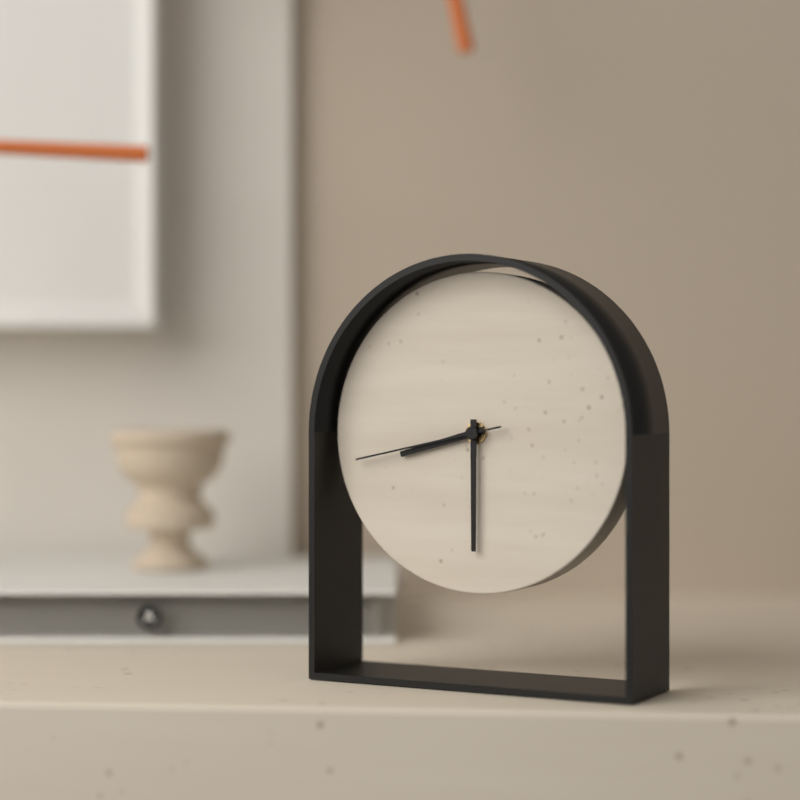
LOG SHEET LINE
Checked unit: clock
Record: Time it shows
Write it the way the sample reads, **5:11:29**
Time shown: **8:30:43**
